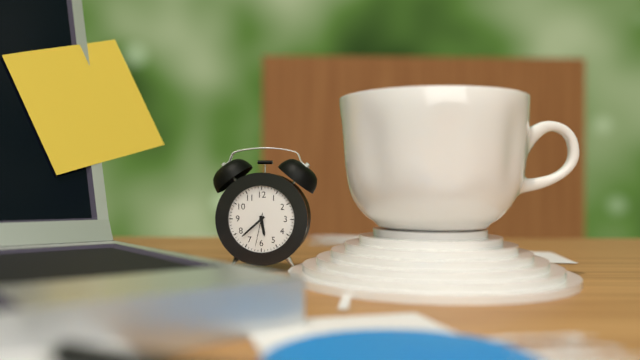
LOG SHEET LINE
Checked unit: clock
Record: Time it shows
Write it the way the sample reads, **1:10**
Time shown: **5:38**
